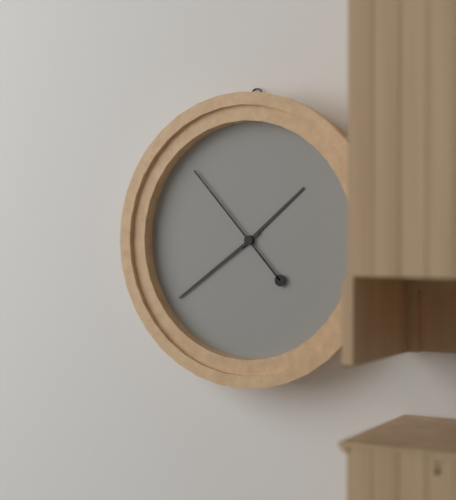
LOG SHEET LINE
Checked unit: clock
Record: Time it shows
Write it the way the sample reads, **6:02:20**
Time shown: **1:39:53**
